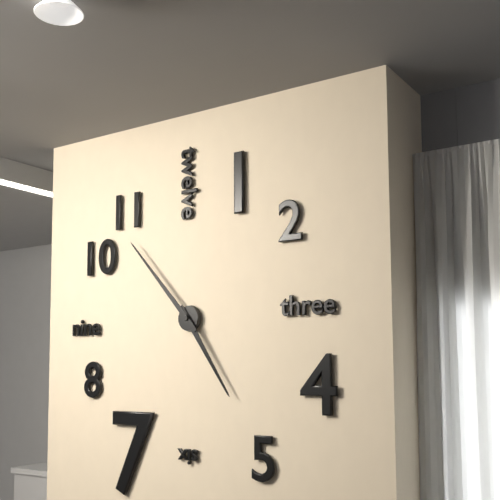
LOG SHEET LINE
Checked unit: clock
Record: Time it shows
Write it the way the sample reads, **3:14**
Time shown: **4:53**
